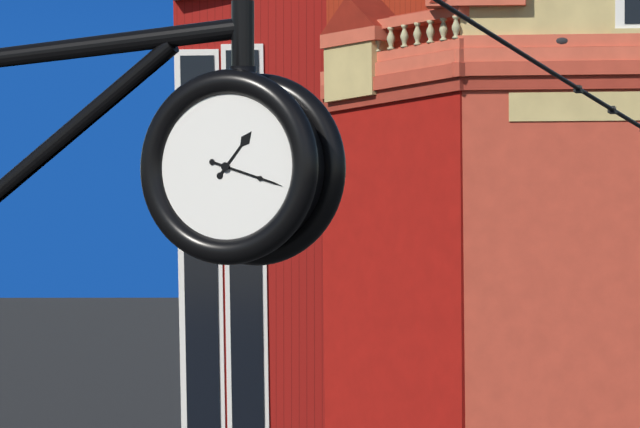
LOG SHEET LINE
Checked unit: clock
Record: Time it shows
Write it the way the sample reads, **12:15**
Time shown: **1:18**
